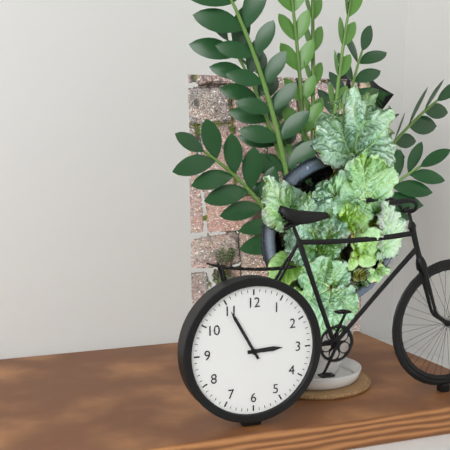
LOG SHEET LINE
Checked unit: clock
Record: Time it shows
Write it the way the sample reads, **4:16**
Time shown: **2:55**
